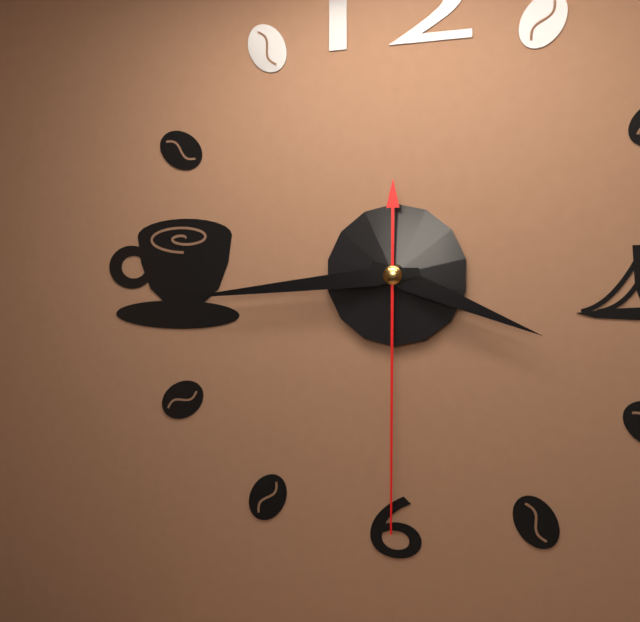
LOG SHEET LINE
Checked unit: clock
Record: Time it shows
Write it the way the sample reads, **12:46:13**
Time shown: **3:44:30**
